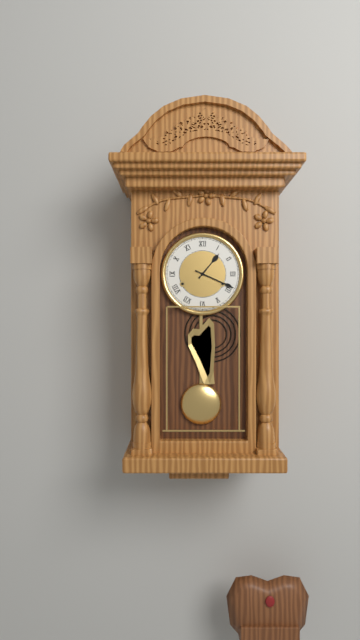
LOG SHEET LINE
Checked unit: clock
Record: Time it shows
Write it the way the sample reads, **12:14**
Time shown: **1:19**
